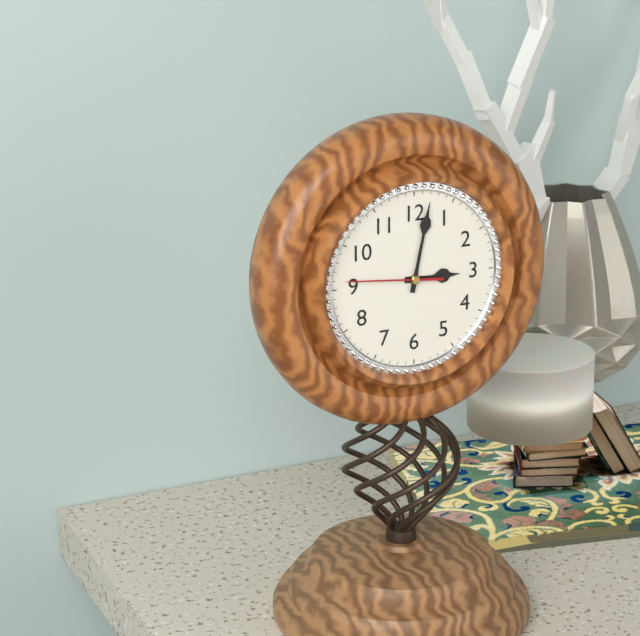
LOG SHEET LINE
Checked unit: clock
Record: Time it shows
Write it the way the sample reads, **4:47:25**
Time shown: **3:02:46**
